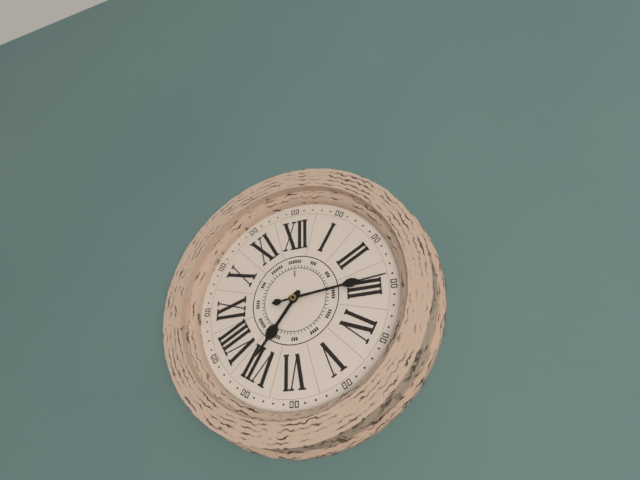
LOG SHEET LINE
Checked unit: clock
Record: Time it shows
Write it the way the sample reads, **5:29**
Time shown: **7:14**
